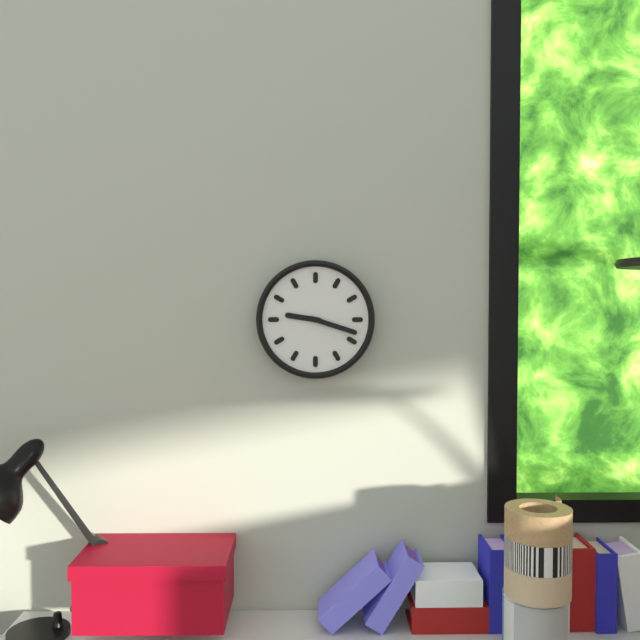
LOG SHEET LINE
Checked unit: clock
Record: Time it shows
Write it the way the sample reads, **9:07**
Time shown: **9:18**
